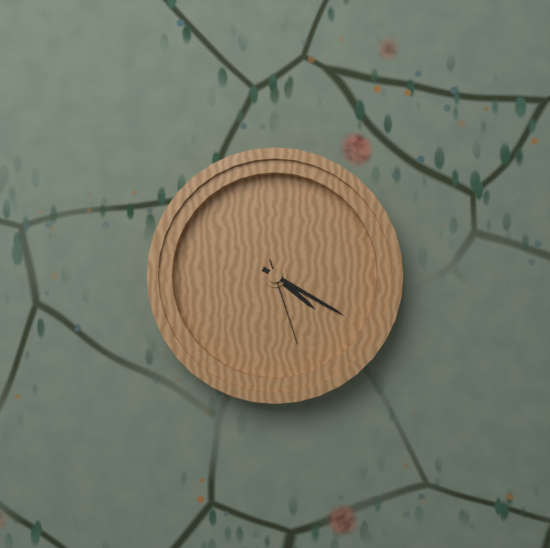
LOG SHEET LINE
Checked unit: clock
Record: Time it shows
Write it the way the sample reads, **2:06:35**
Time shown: **4:20:27**
